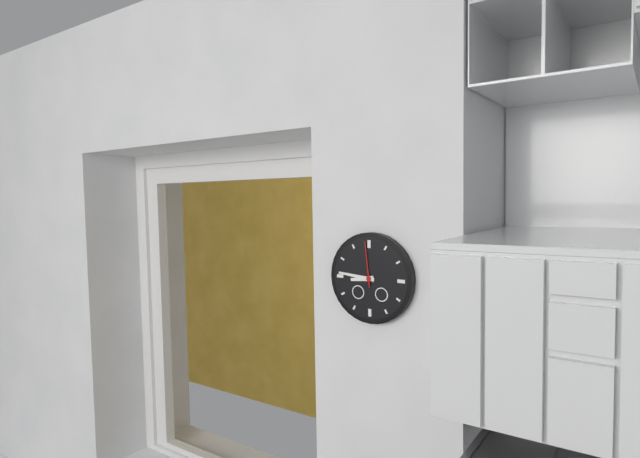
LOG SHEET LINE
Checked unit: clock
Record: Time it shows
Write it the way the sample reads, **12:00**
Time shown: **8:46**
